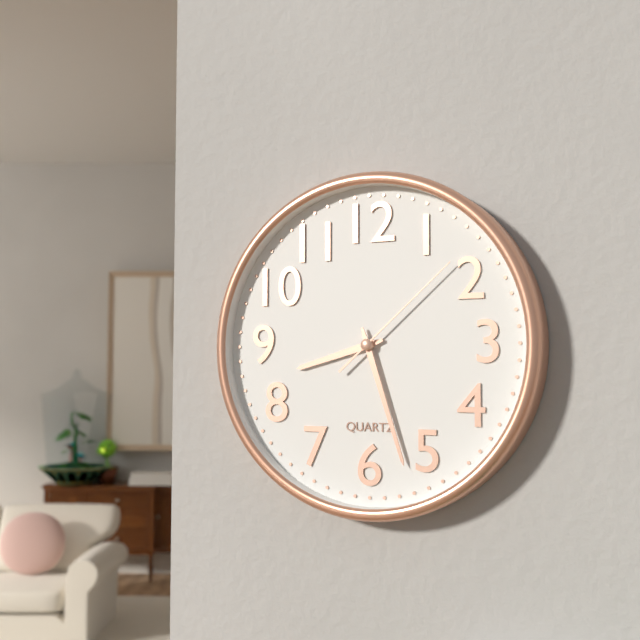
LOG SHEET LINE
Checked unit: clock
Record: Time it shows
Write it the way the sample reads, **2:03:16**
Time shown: **8:27:08**
